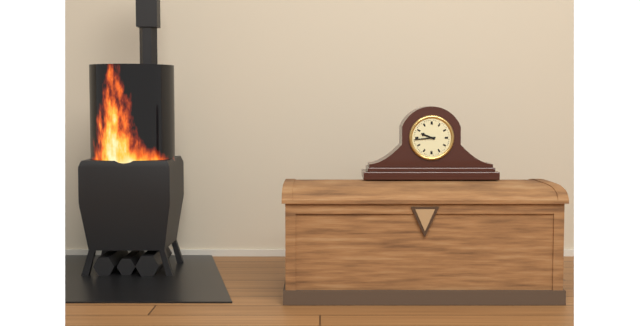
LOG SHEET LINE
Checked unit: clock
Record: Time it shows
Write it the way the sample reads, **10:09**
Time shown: **9:44**
